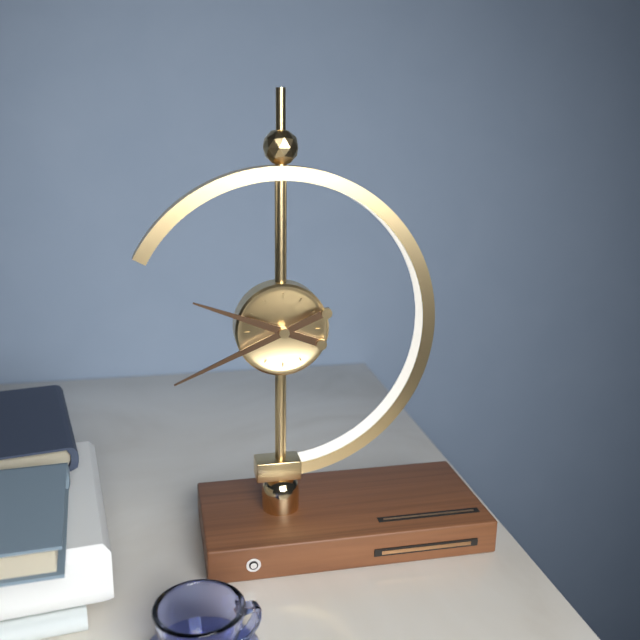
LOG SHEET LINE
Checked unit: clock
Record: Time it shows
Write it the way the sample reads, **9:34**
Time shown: **9:41**
